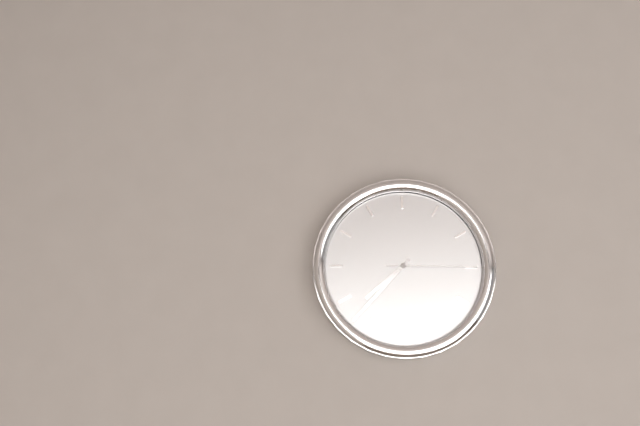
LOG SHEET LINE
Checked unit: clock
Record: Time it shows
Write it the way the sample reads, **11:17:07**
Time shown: **7:37:15**
